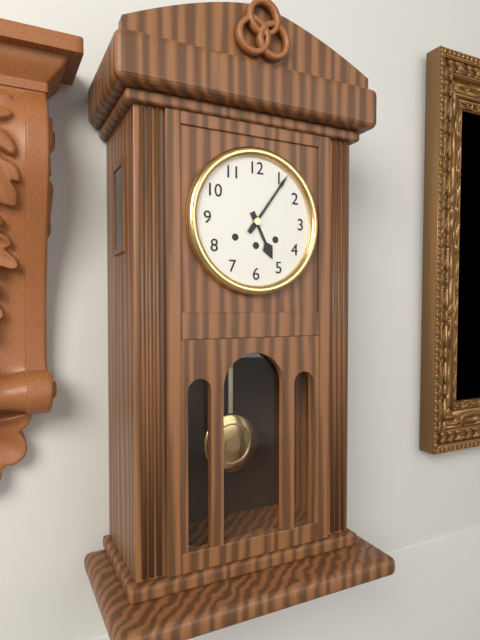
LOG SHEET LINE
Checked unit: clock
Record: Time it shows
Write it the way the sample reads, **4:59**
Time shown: **5:06**
